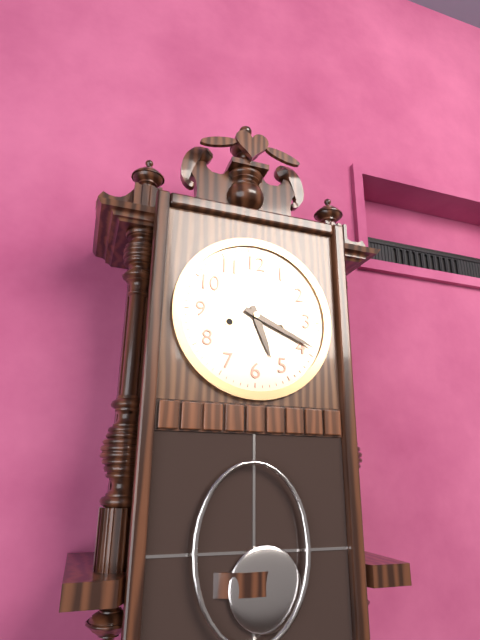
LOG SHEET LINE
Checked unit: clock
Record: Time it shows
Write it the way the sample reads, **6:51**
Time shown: **5:19**
